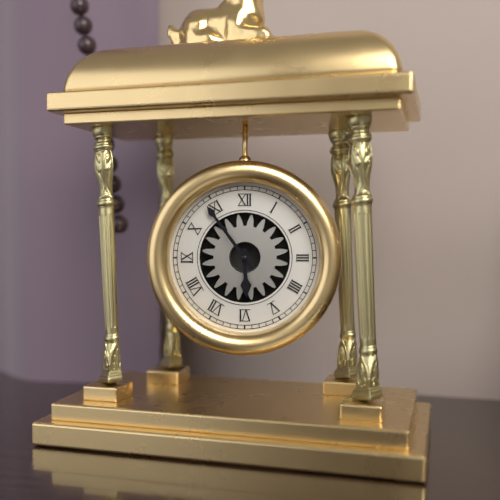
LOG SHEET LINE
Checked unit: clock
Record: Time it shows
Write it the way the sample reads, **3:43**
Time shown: **5:54**
